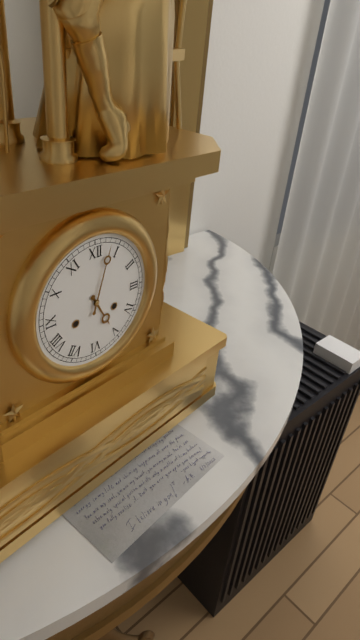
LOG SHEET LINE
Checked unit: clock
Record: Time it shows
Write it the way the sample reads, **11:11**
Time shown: **5:03**
